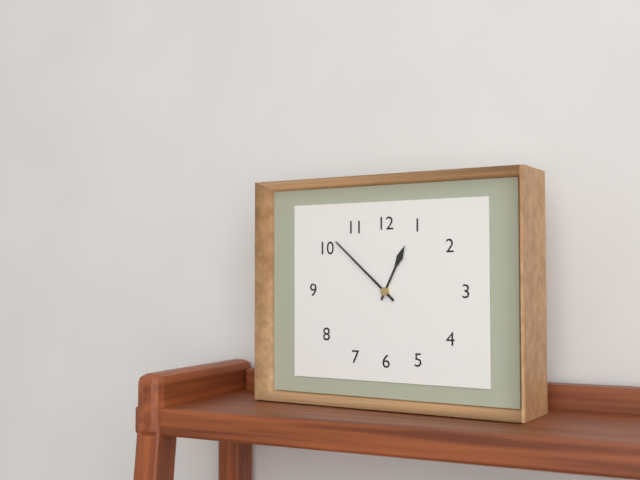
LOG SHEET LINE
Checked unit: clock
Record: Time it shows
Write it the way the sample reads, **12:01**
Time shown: **12:52**
